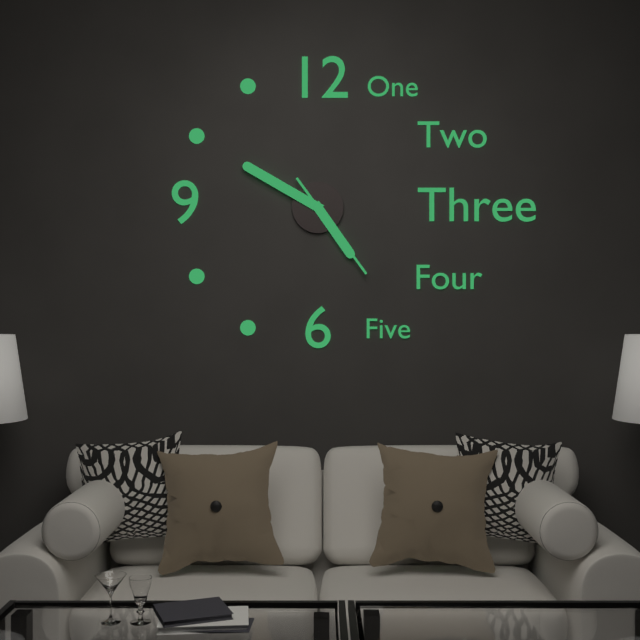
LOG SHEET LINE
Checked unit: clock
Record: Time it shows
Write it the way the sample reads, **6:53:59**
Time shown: **4:50:24**
